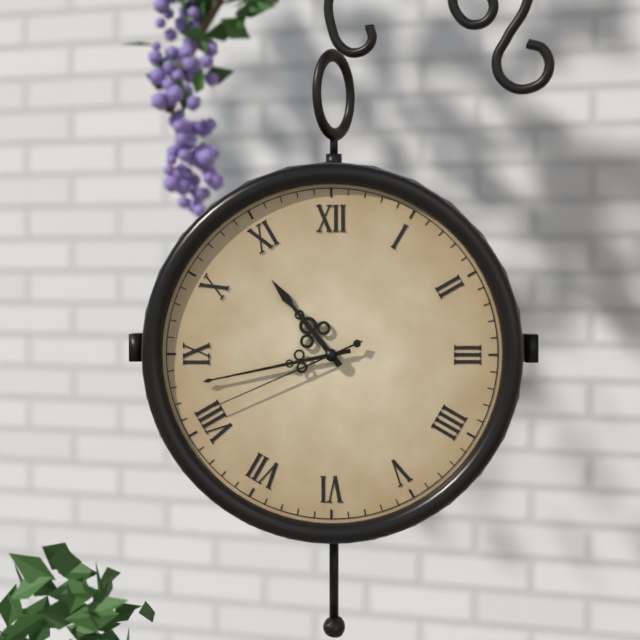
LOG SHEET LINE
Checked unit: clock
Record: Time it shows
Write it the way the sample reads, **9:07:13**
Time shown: **10:43:41**
